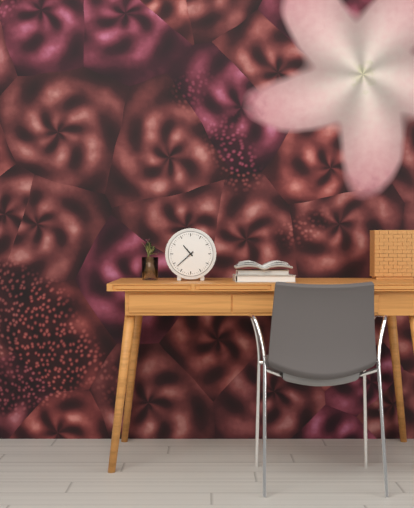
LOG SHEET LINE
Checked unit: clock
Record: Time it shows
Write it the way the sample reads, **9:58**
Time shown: **10:38**
